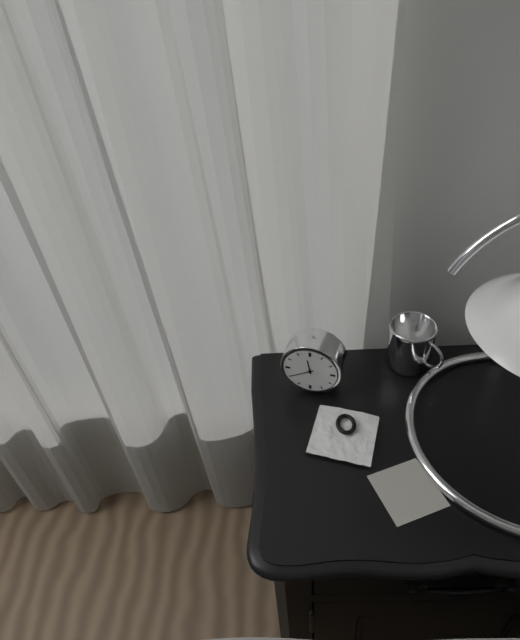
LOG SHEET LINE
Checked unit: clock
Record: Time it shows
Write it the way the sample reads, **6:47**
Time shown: **11:40**
